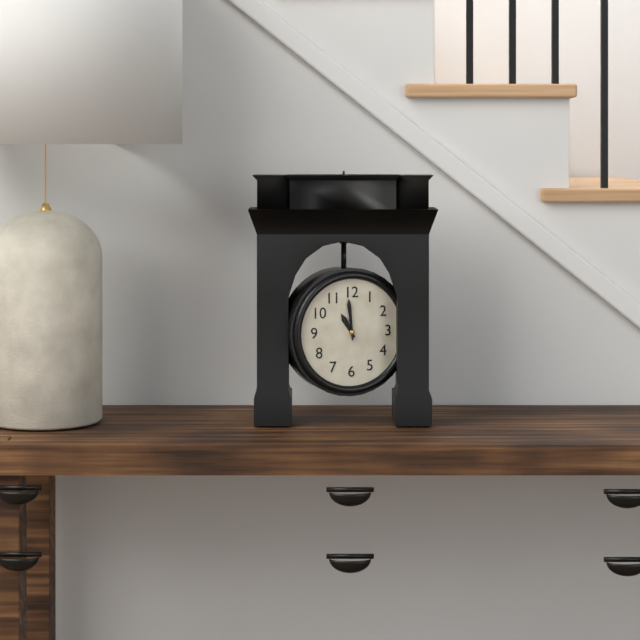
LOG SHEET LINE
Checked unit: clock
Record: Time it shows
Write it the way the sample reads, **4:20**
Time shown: **10:59**
